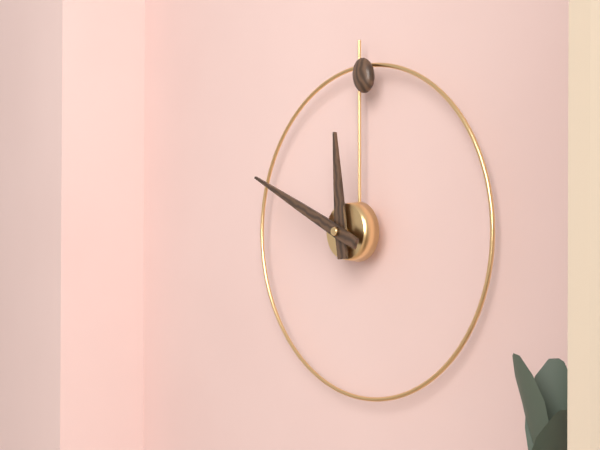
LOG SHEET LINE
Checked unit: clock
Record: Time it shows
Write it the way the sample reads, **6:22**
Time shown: **11:49**
